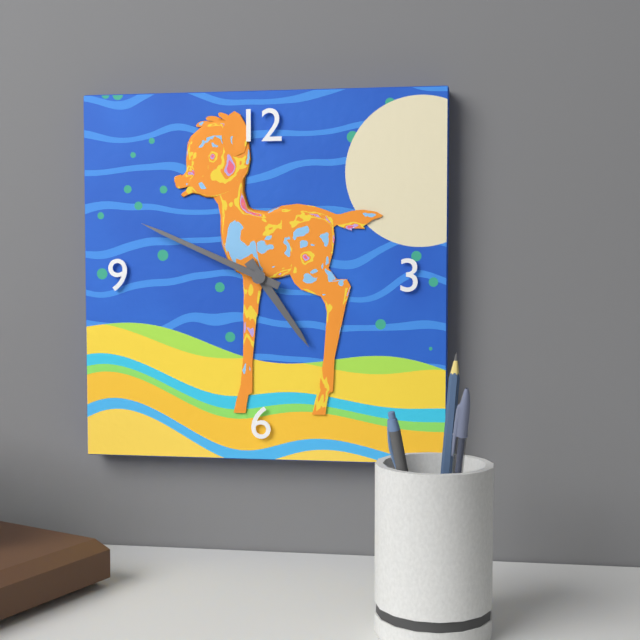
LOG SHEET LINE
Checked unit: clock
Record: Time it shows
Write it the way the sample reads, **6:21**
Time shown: **4:49**
